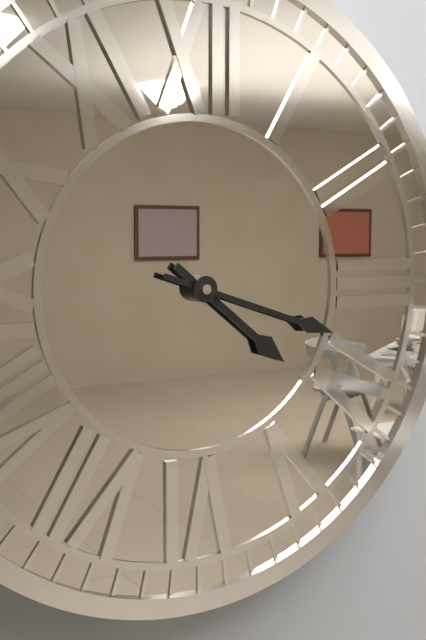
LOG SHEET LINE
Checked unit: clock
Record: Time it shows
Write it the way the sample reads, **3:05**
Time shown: **4:18**
